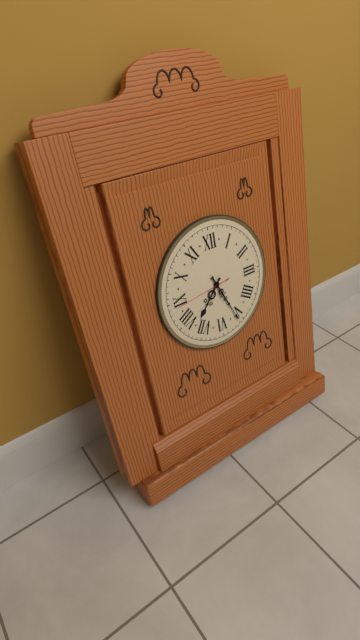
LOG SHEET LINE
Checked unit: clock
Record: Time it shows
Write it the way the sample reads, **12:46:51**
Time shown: **7:26:44**
